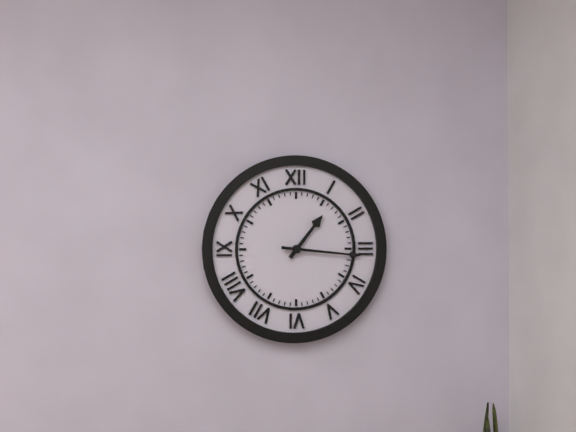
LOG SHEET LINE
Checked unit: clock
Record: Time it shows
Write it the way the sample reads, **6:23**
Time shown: **1:16**
